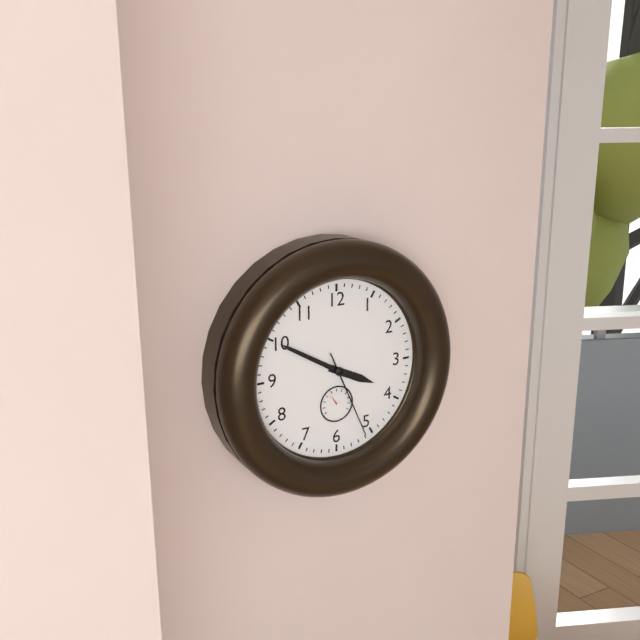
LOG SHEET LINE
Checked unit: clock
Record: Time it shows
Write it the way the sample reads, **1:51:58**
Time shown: **3:50:26**
